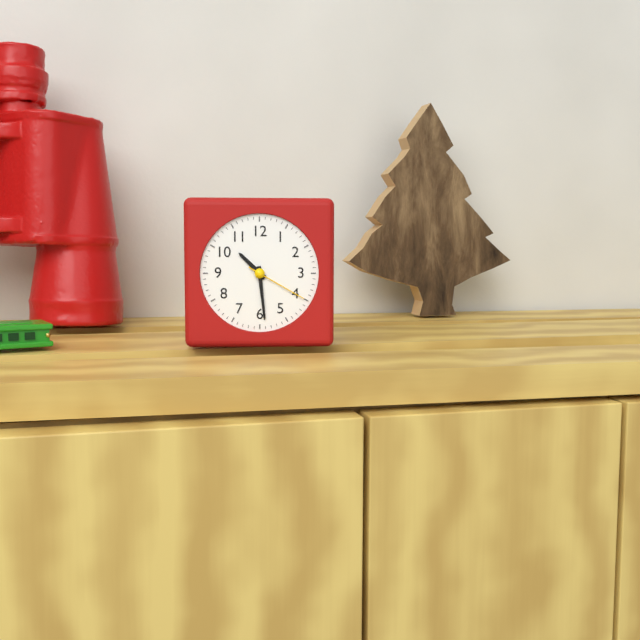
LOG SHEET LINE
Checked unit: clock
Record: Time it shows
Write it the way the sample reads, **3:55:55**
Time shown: **10:29:20**
